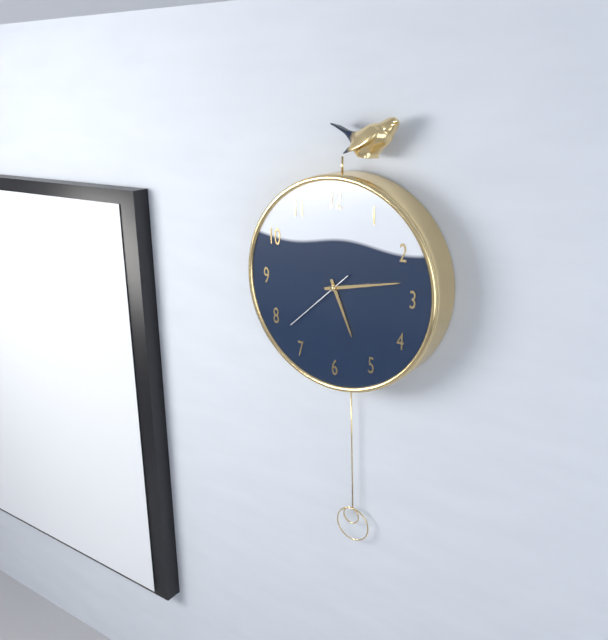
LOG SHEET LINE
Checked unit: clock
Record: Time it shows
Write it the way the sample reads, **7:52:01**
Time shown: **5:13:38**
